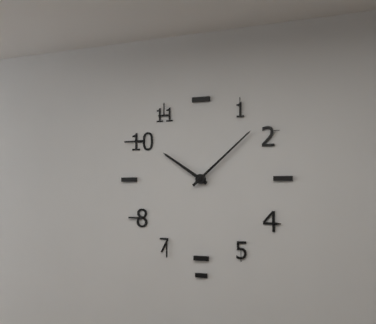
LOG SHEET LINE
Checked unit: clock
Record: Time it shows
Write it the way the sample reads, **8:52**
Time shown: **10:08**
